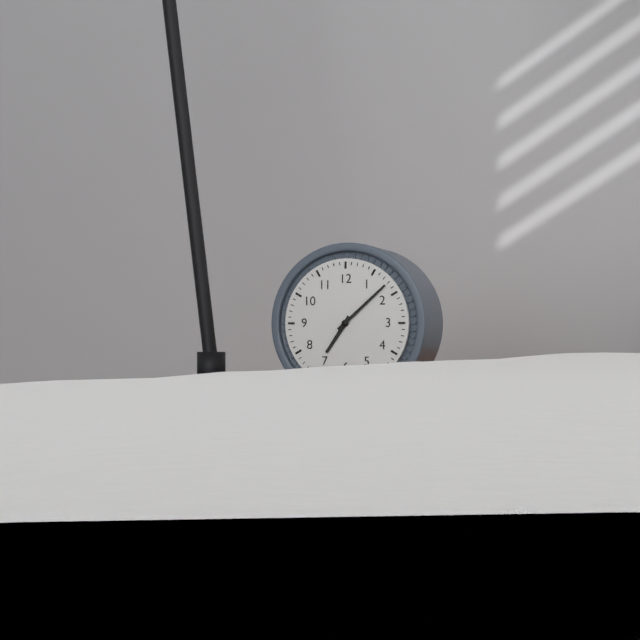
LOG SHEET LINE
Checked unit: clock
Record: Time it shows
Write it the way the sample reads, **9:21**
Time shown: **7:08**
